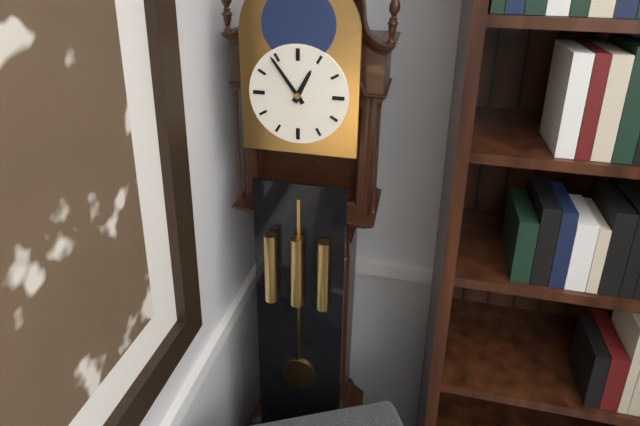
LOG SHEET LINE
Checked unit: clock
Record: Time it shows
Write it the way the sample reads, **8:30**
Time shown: **12:54**
